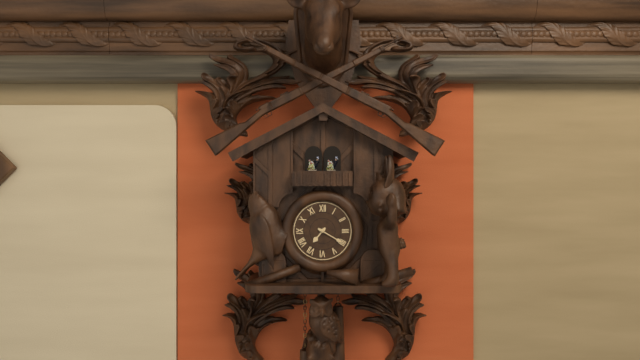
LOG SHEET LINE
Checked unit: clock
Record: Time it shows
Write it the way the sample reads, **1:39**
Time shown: **7:20**
